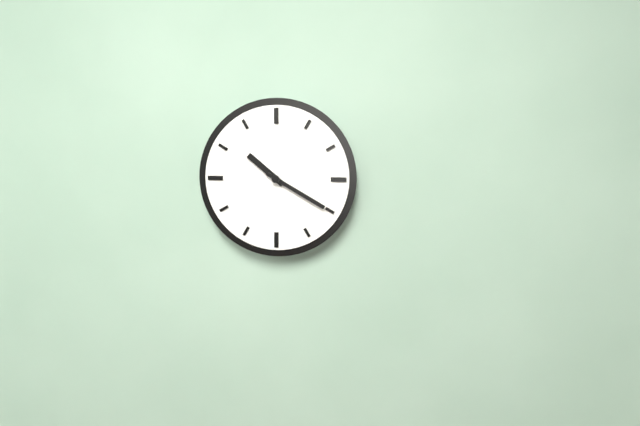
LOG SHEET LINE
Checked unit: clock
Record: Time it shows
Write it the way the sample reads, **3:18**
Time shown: **10:20**
